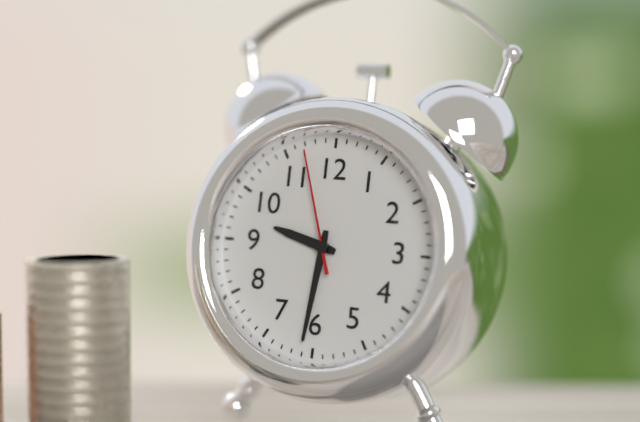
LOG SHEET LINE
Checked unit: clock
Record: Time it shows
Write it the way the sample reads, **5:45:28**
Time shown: **9:31:57**
